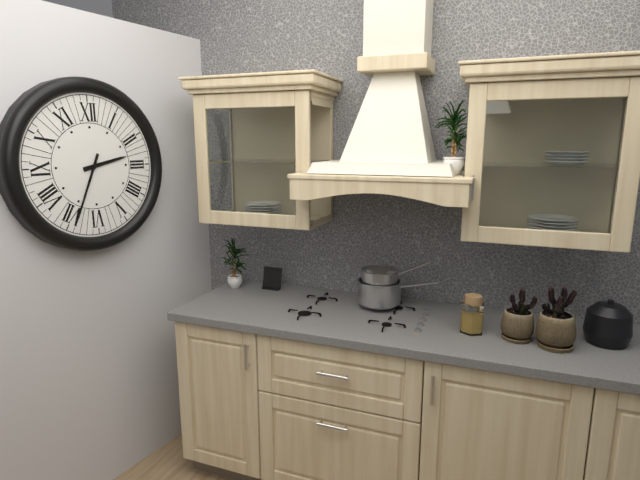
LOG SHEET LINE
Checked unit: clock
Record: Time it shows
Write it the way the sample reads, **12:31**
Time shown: **2:34**
